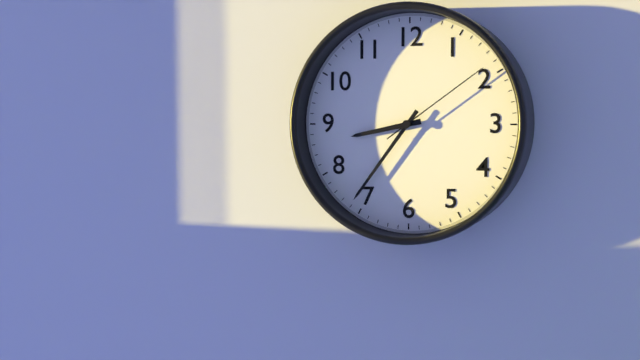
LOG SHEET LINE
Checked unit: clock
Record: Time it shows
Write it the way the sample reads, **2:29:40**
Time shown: **8:36:09**
